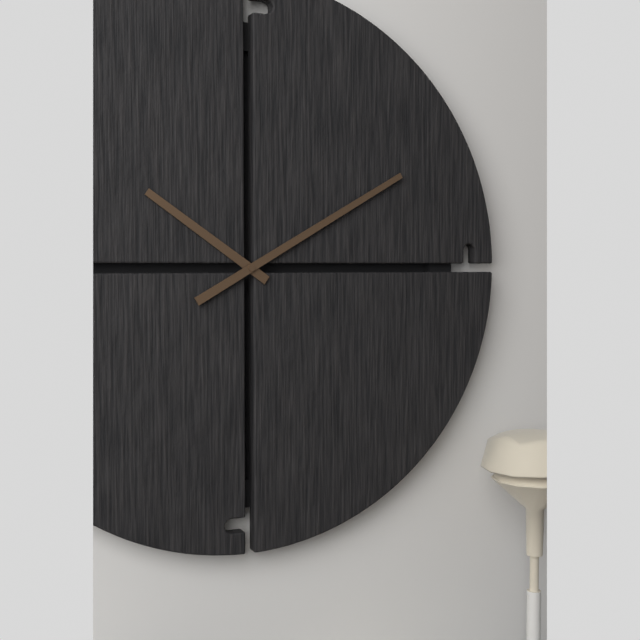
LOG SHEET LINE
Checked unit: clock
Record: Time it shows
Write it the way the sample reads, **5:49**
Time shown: **10:10**
